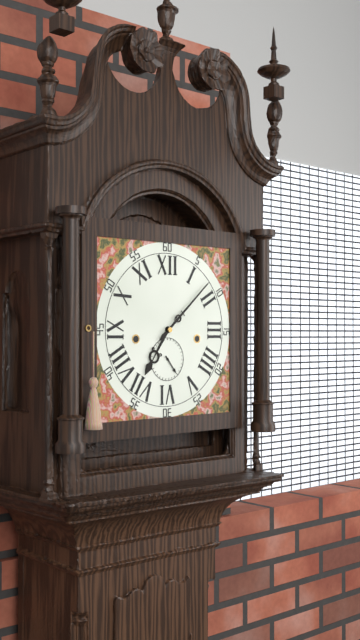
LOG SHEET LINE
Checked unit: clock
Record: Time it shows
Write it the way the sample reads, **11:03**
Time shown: **7:08**
